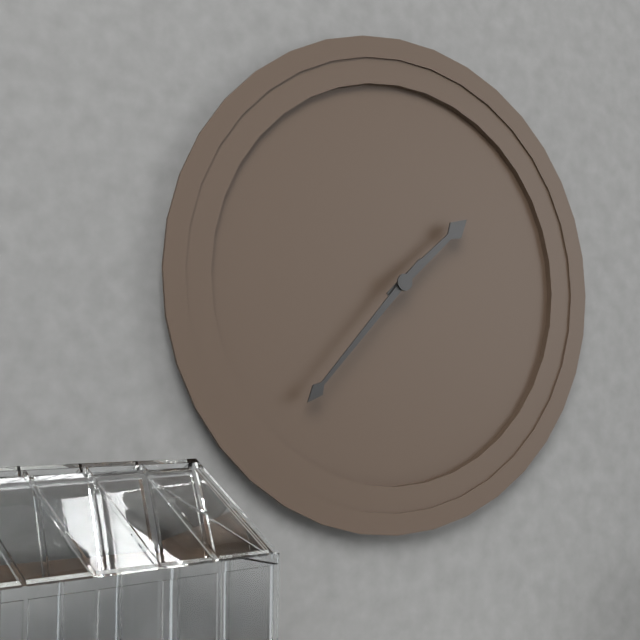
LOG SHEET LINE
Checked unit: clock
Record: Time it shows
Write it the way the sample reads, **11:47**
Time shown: **1:37**
